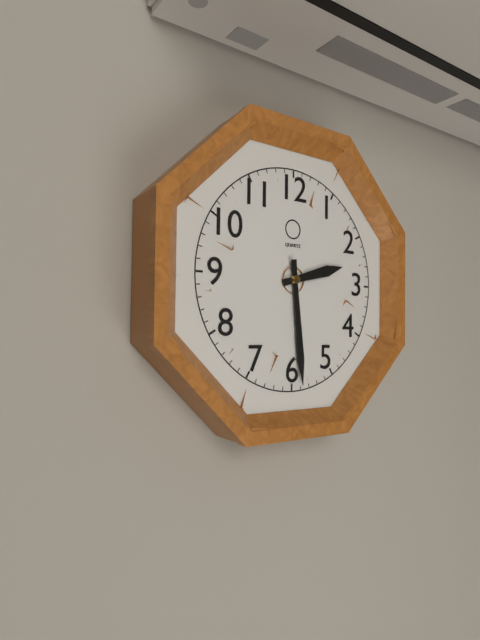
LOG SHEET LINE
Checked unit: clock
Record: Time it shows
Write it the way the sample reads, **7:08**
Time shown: **2:29**
